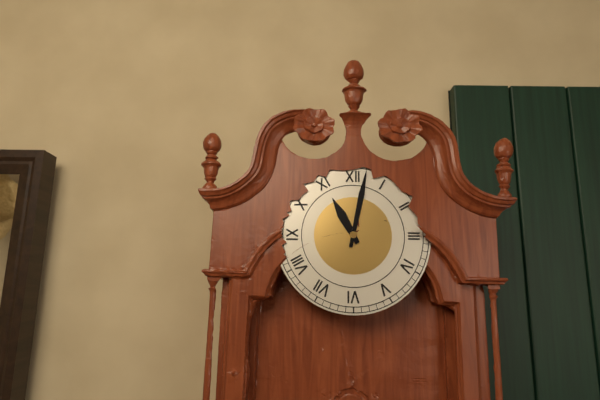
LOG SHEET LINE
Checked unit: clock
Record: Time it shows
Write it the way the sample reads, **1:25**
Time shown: **11:02**
